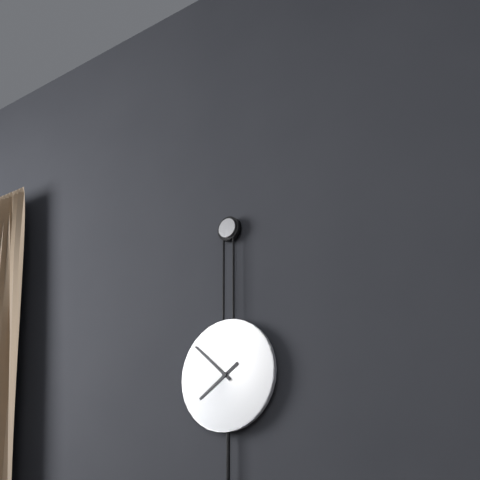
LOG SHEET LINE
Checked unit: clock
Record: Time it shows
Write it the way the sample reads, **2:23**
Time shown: **7:52**
